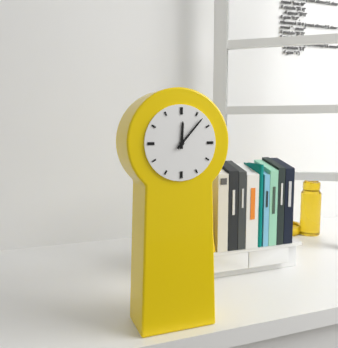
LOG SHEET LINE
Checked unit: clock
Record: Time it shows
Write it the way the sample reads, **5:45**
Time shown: **12:07**
